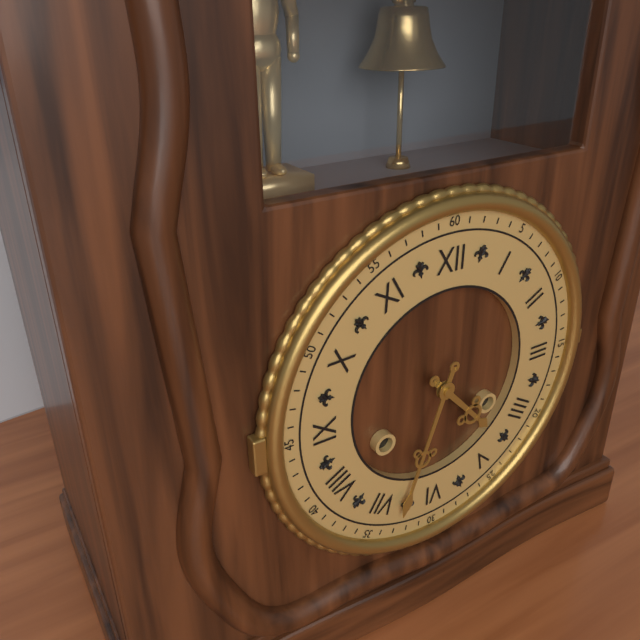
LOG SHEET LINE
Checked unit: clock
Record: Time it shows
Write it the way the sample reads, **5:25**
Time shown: **4:33**
